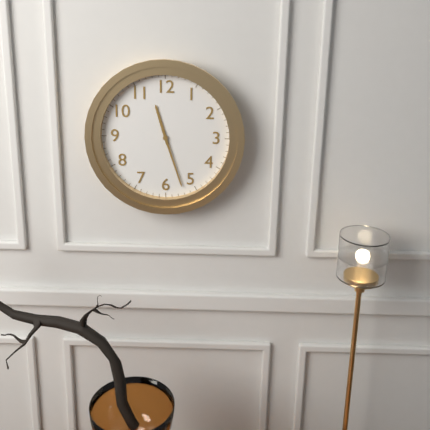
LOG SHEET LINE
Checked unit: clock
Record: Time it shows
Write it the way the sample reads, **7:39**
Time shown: **11:27**
